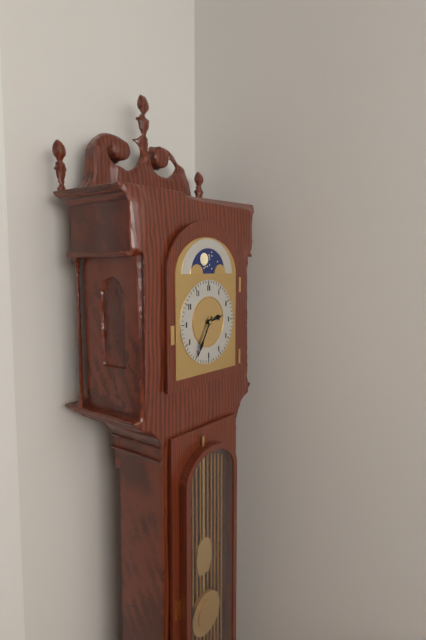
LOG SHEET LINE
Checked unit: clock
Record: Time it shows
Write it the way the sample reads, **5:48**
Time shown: **2:35**
